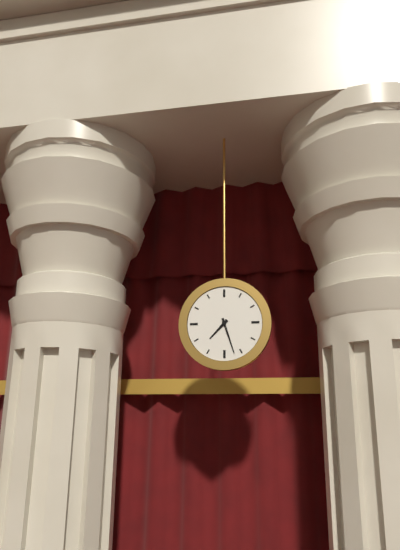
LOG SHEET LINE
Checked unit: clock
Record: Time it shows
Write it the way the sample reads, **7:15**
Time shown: **7:27**
